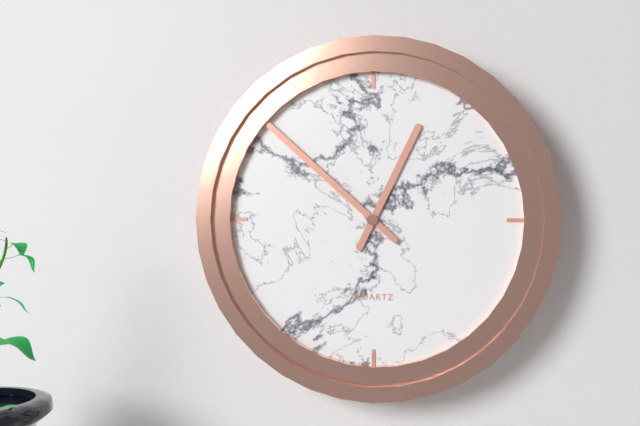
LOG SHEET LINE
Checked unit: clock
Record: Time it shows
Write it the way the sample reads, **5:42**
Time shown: **12:52**
